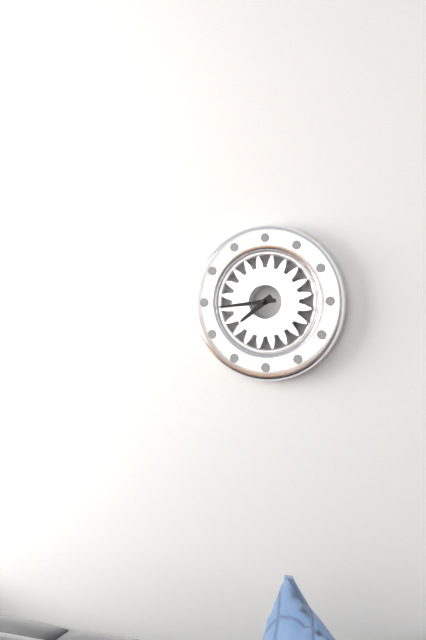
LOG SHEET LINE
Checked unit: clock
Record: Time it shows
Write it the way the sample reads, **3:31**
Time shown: **7:44**
